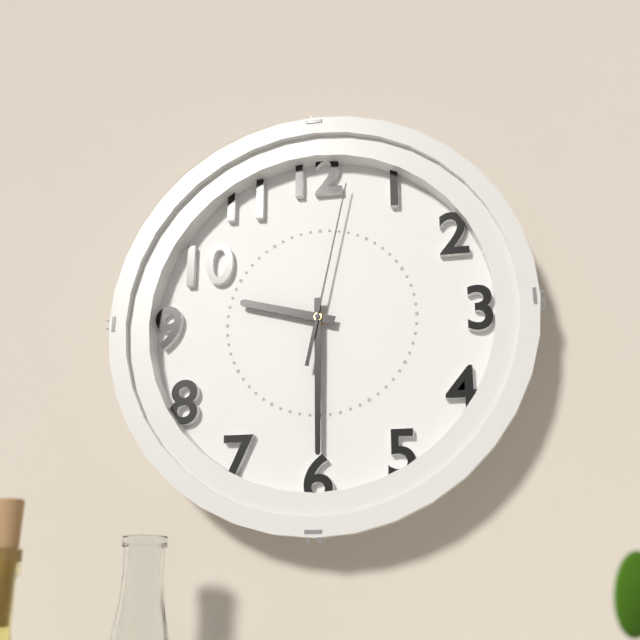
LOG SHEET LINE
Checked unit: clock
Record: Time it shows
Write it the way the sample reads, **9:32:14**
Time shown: **9:30:02**
